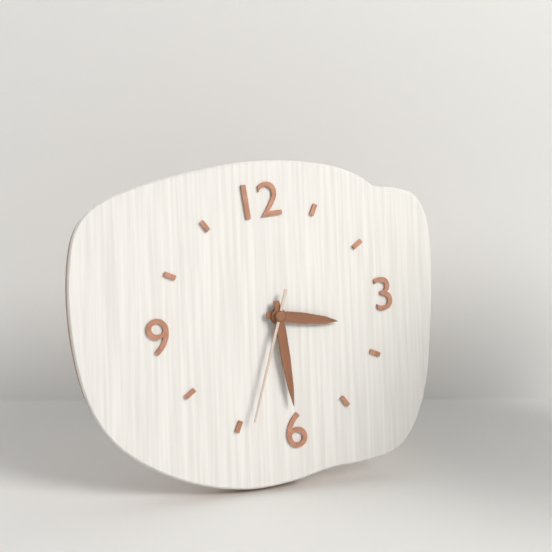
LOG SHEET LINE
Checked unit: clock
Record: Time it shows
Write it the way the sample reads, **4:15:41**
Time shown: **3:30:34**
